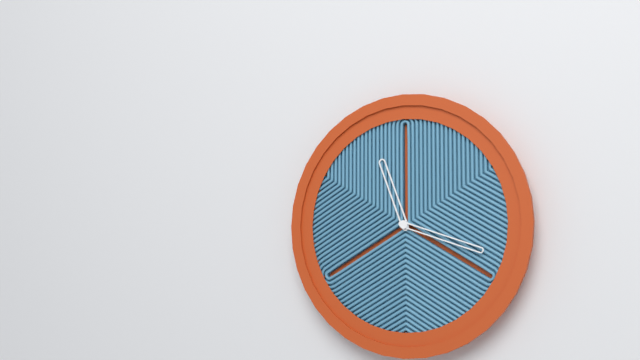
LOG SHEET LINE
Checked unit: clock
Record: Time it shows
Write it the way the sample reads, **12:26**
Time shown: **11:18**
